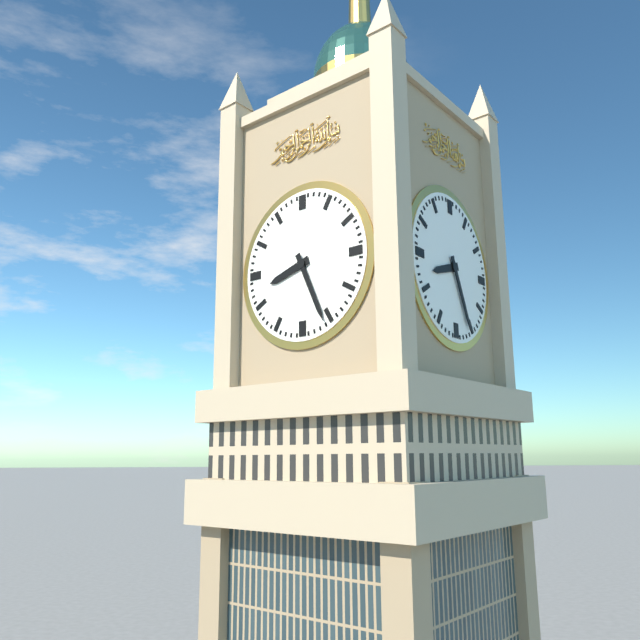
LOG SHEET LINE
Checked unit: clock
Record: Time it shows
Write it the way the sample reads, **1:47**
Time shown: **8:26**
